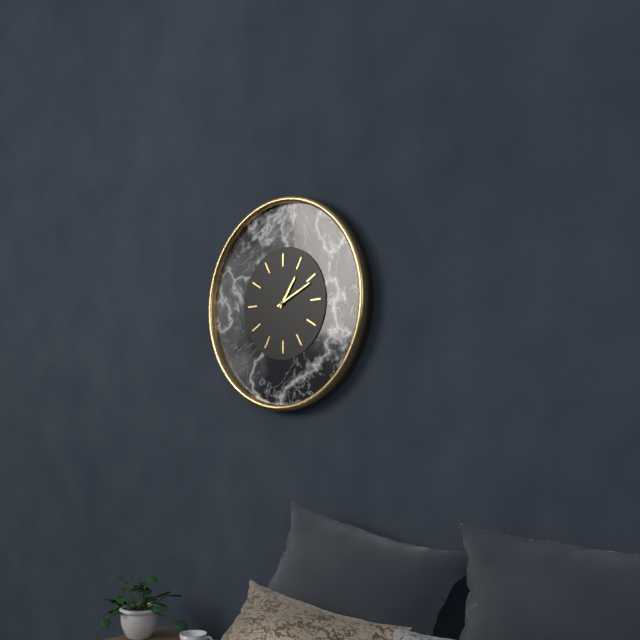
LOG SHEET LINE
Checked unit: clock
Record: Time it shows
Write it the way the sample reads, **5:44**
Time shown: **1:11**
